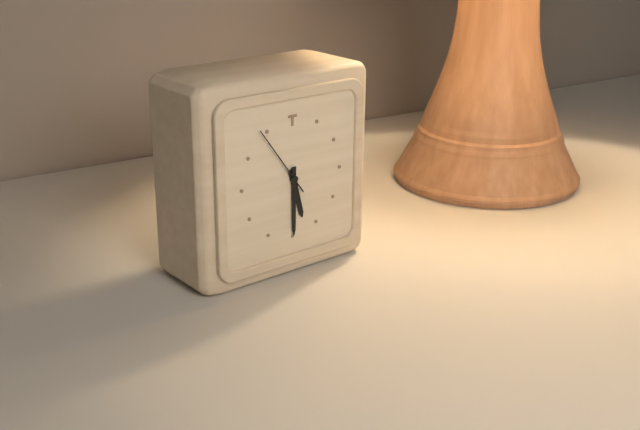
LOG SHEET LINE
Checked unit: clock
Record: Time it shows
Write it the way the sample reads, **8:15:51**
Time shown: **5:30:54**
